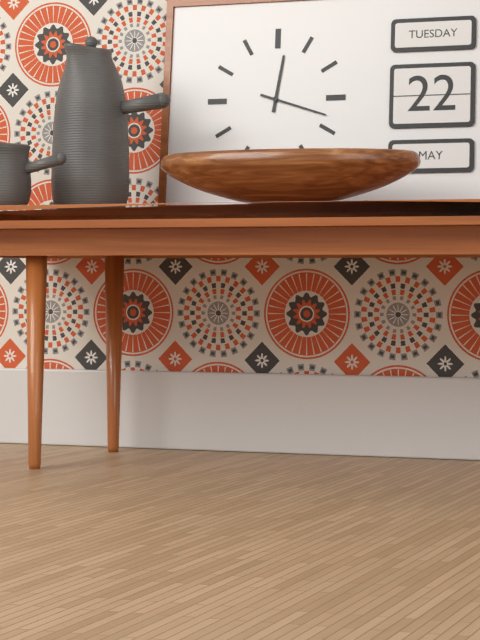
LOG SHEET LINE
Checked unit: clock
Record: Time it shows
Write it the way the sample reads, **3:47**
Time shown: **12:18**
